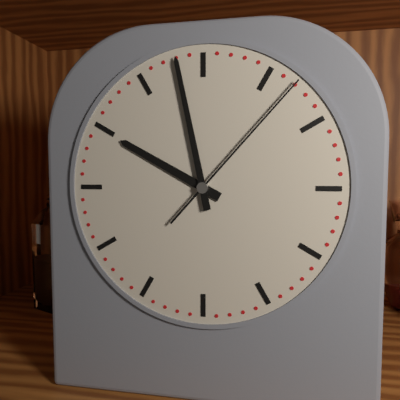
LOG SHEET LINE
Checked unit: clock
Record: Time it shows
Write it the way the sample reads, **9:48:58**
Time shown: **9:58:07**
